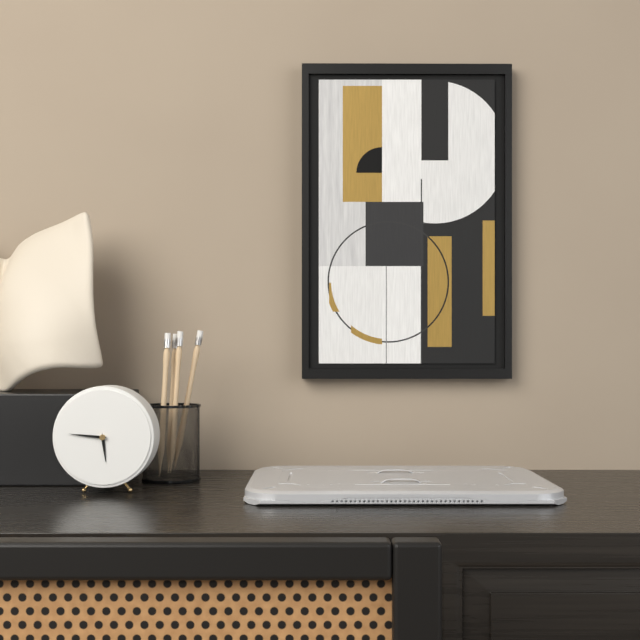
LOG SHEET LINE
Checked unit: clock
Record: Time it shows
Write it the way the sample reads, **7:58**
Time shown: **5:46**
